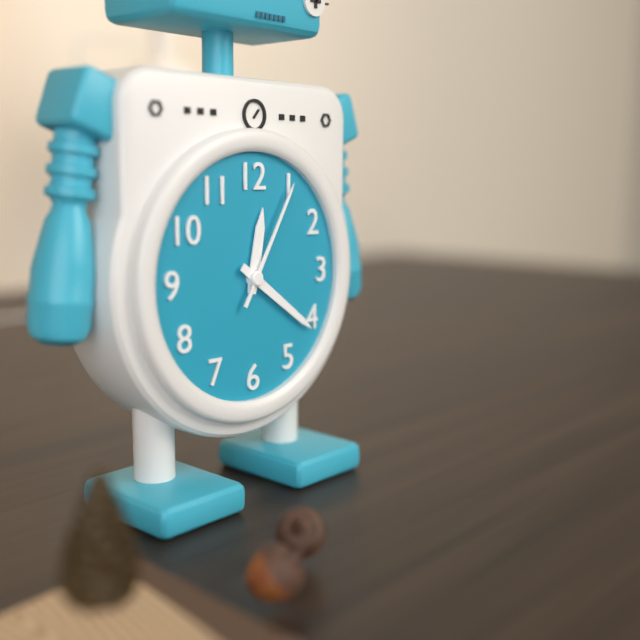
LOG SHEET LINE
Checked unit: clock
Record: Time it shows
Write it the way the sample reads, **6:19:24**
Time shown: **12:21:05**
